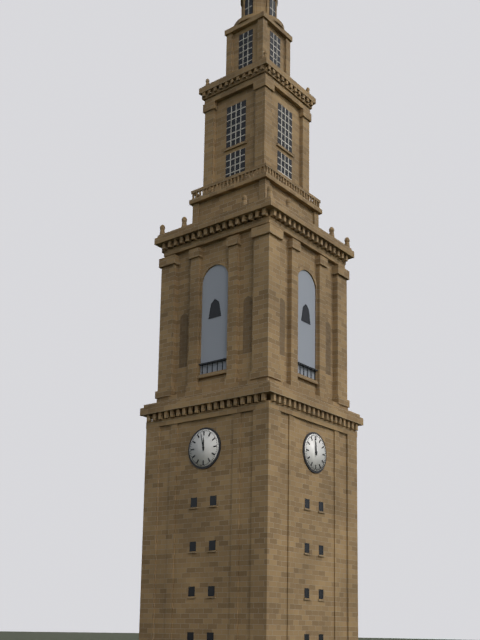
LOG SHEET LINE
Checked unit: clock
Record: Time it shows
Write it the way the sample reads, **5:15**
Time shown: **11:58**
